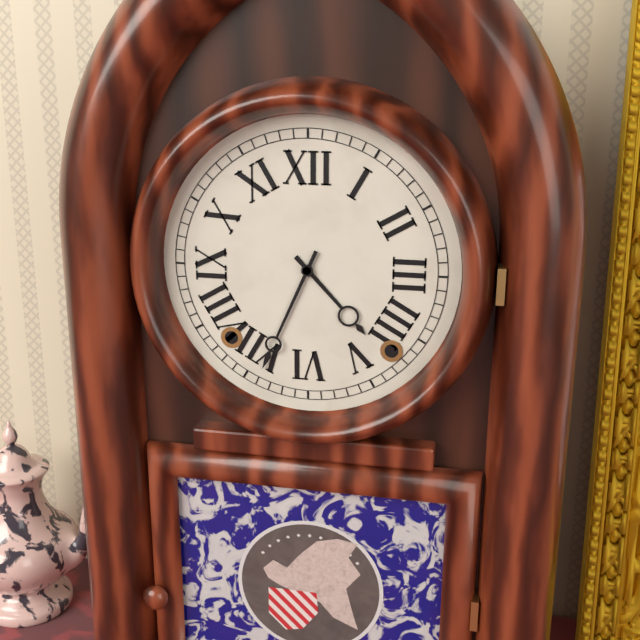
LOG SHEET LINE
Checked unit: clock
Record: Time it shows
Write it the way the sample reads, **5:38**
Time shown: **4:34**
